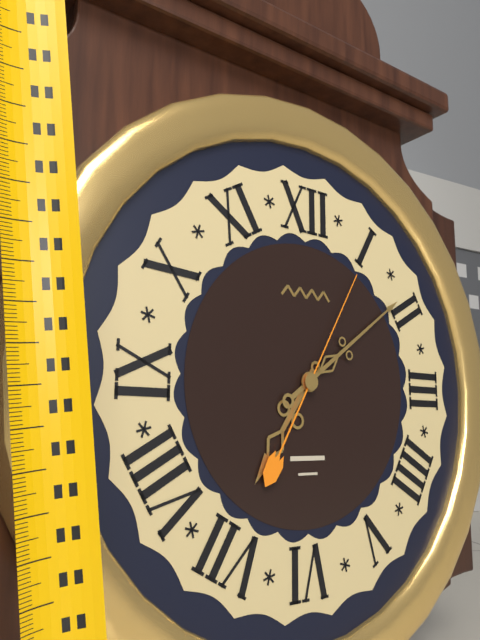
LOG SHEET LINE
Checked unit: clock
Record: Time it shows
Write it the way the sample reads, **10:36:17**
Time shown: **7:09:05**
